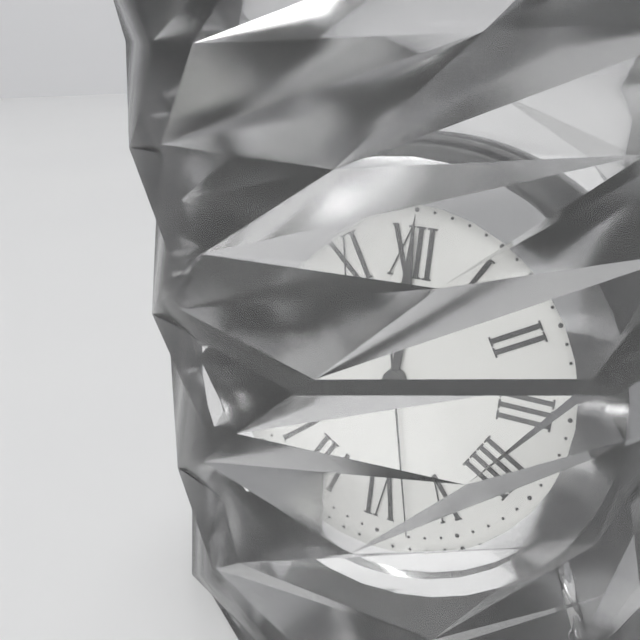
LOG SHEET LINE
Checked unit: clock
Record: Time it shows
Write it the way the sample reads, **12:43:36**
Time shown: **12:00:28**
